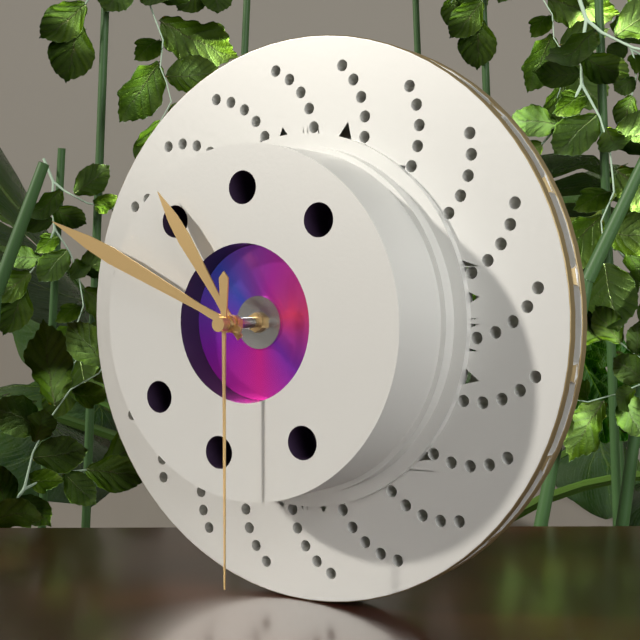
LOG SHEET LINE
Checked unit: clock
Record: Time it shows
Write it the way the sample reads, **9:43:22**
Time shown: **10:49:30**
